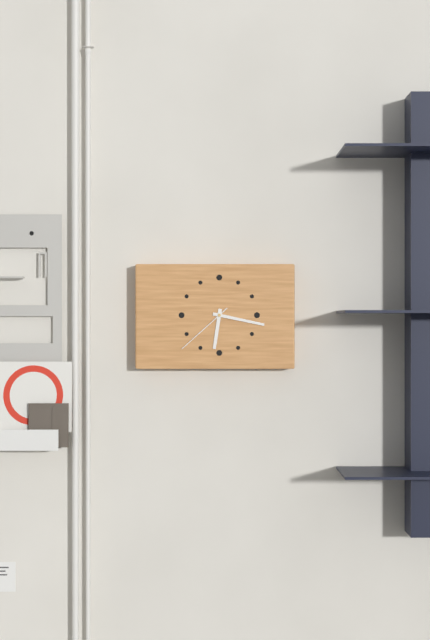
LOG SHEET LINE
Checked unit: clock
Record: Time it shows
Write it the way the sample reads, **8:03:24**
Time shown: **6:17:38**
